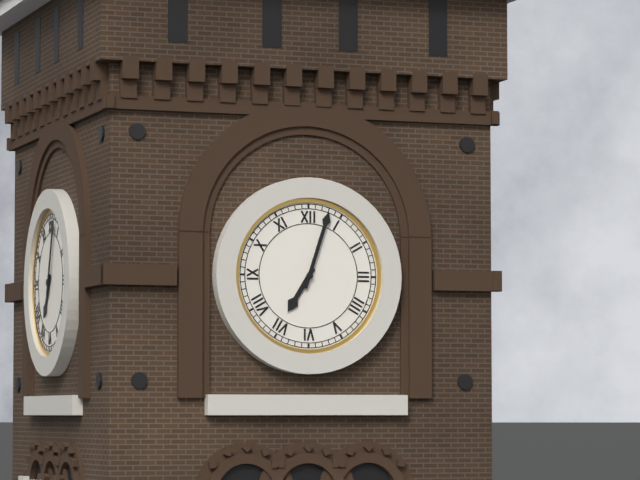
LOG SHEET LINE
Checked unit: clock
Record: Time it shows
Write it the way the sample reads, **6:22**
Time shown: **7:03**
